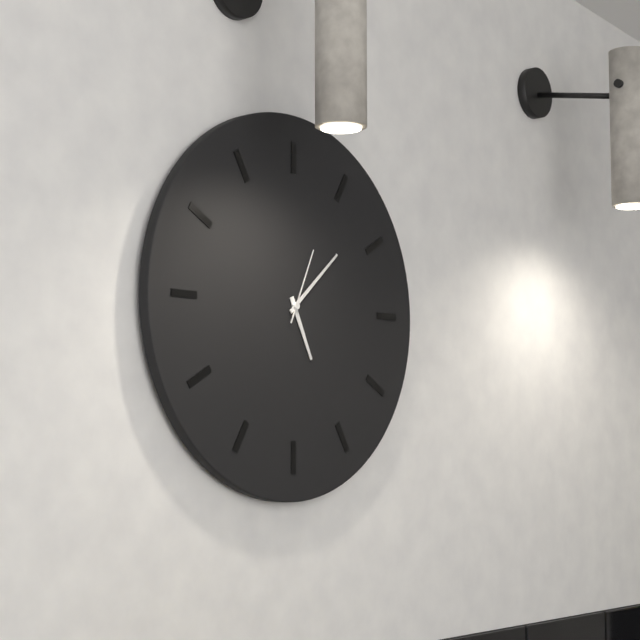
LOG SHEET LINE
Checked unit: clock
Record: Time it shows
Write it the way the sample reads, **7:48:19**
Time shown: **5:08:04**
